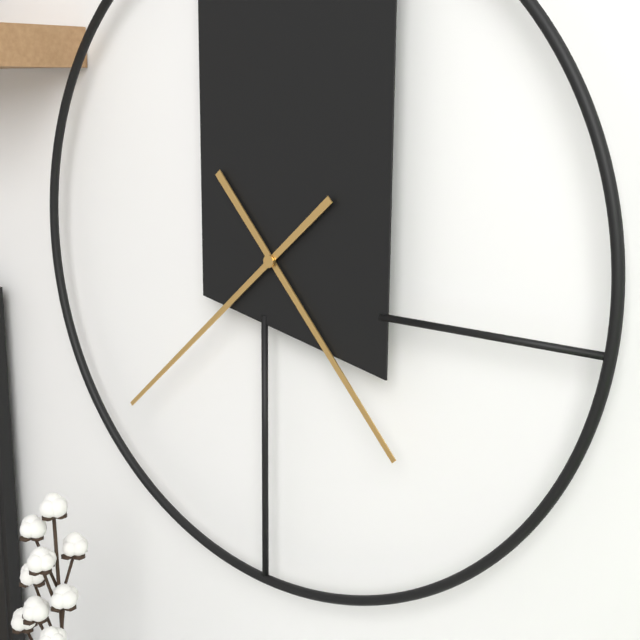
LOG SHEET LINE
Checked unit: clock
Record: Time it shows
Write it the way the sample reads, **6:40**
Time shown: **4:38**
